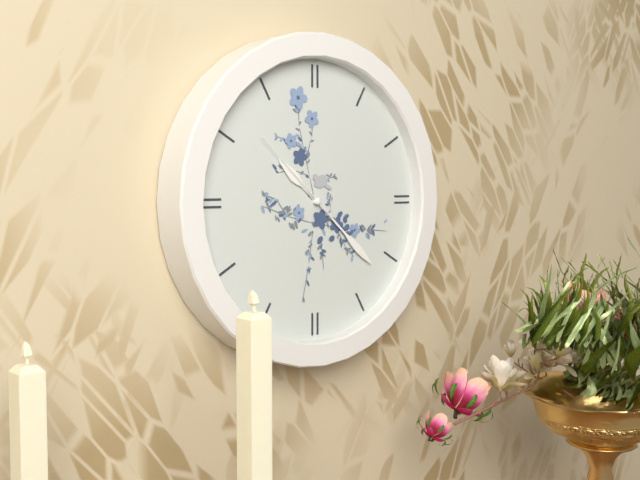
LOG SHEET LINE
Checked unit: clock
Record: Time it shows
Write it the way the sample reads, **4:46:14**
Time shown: **10:22:52**
